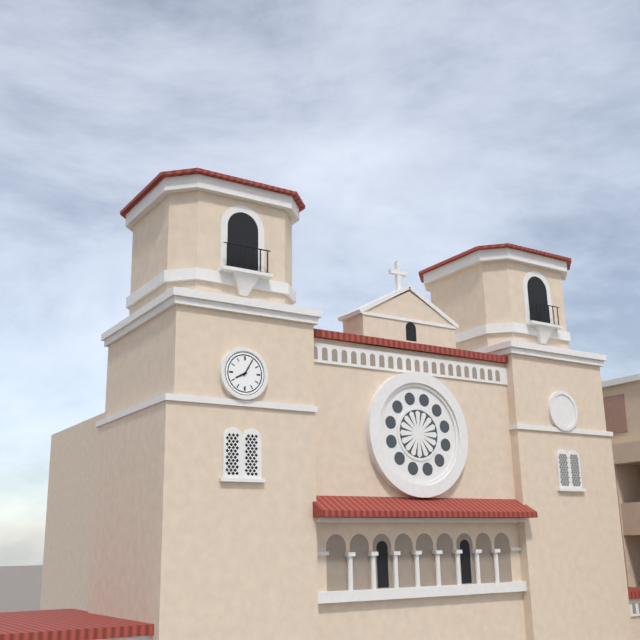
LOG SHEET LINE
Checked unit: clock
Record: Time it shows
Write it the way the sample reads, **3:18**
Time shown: **8:05**
